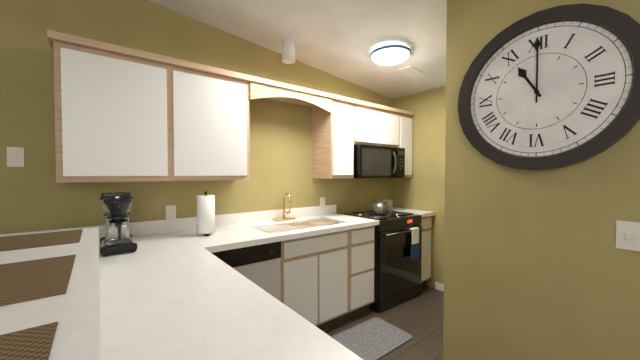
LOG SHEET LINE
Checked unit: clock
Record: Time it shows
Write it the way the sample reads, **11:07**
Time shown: **11:00**
